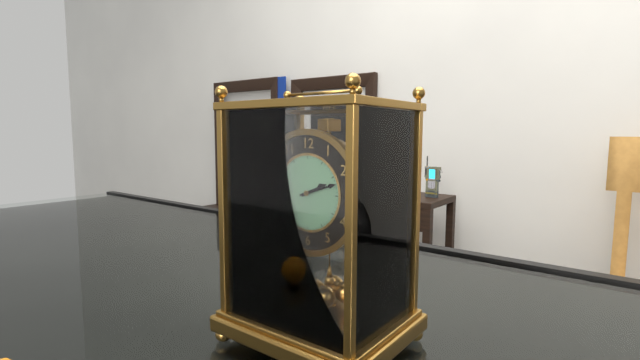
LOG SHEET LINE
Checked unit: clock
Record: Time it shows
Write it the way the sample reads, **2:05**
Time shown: **2:12**
